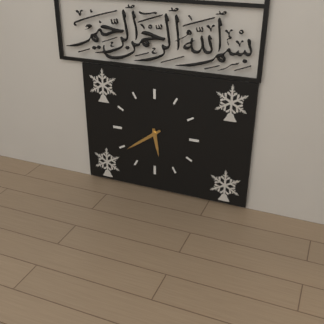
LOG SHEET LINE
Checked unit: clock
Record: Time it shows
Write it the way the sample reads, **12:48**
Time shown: **5:39**
